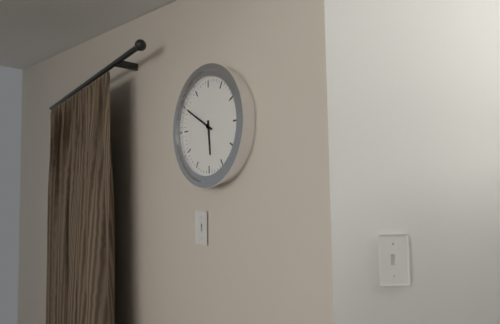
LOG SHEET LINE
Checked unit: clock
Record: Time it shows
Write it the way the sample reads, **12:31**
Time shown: **5:50**
